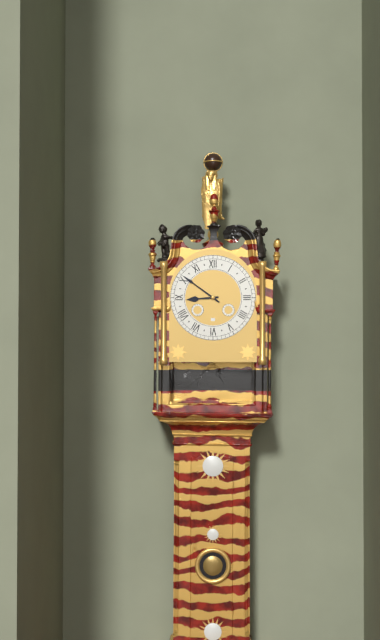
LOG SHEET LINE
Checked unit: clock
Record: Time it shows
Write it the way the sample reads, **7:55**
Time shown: **8:51**
